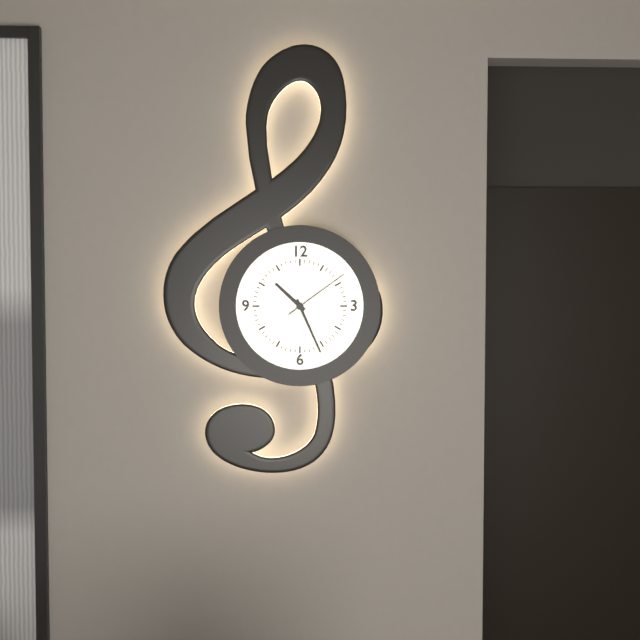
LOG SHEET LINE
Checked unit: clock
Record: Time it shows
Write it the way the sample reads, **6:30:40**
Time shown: **10:26:09**
